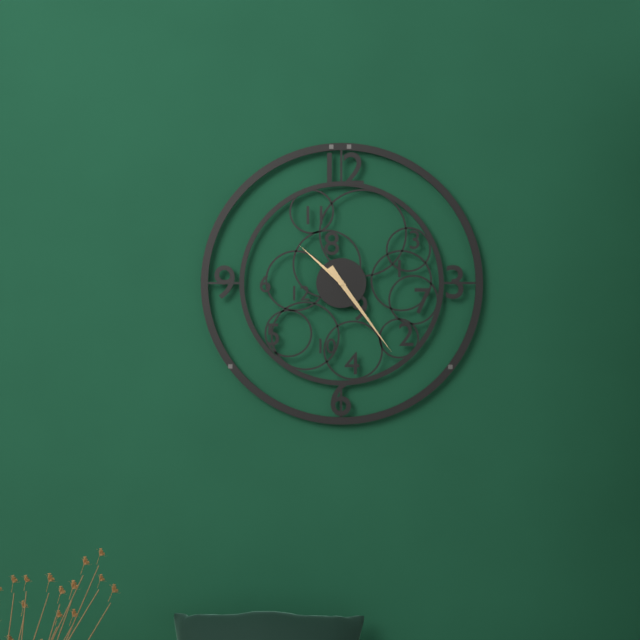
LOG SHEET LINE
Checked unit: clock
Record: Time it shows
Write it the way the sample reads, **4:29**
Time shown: **10:24**
